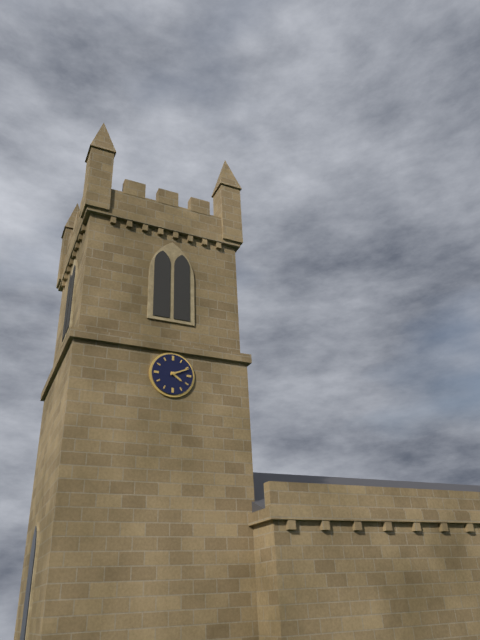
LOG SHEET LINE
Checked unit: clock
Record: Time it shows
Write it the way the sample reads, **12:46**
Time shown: **4:11**
